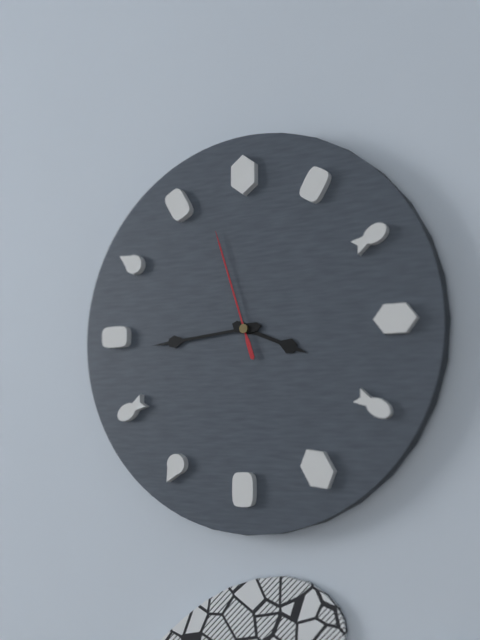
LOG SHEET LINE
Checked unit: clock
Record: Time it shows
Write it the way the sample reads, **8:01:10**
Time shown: **3:44:57**
